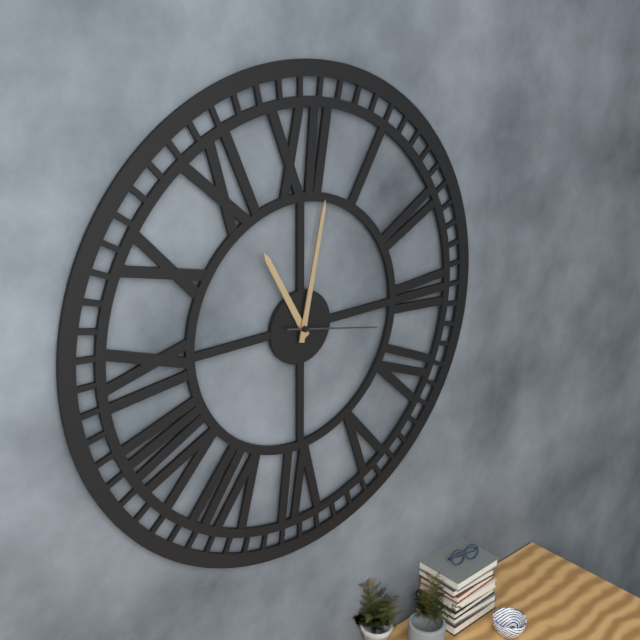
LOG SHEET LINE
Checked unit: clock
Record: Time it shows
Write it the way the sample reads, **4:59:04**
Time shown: **11:02:17**
